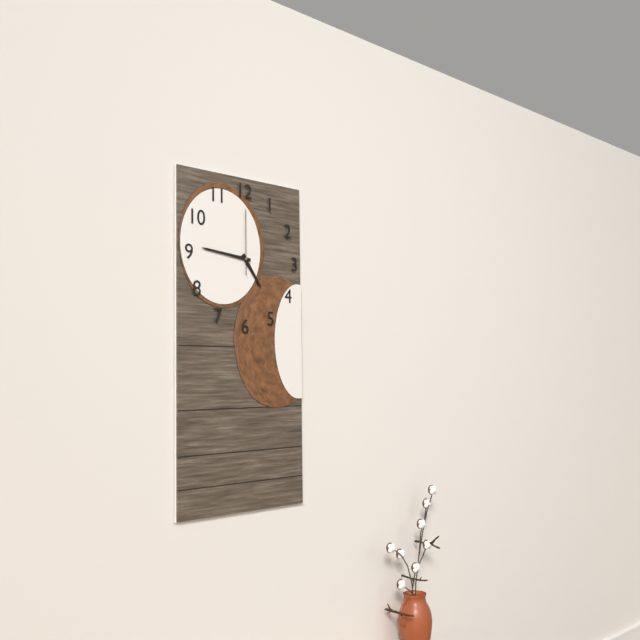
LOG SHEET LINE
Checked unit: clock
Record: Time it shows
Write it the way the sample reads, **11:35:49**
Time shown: **4:46:00**
